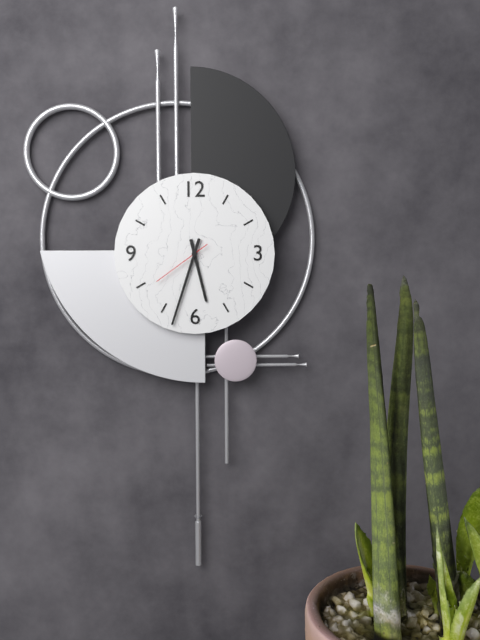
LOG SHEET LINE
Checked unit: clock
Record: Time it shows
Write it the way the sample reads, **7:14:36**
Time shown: **5:33:39**
